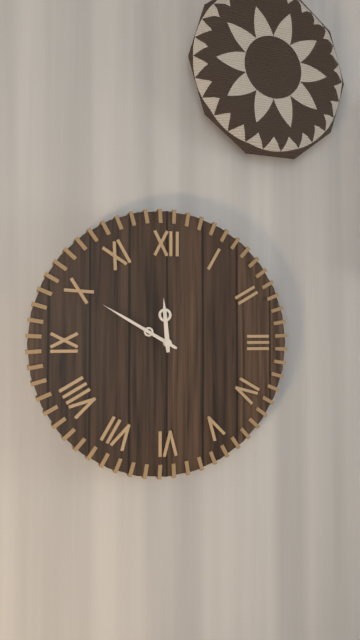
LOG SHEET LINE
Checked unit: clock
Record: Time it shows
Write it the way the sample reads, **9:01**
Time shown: **11:50**
